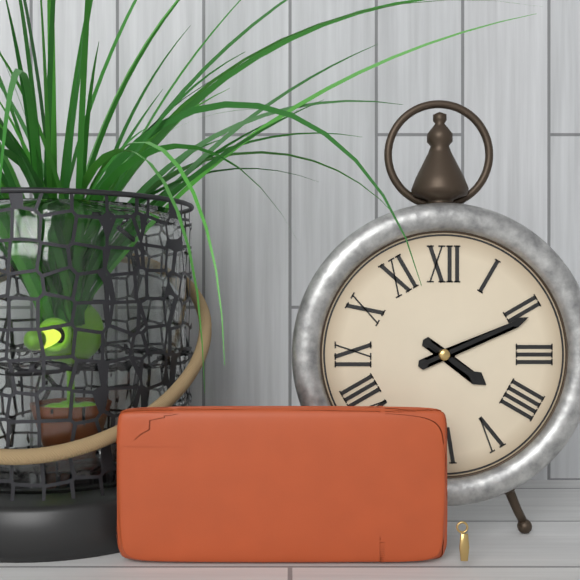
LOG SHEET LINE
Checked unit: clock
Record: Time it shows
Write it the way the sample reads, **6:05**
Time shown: **4:11**
